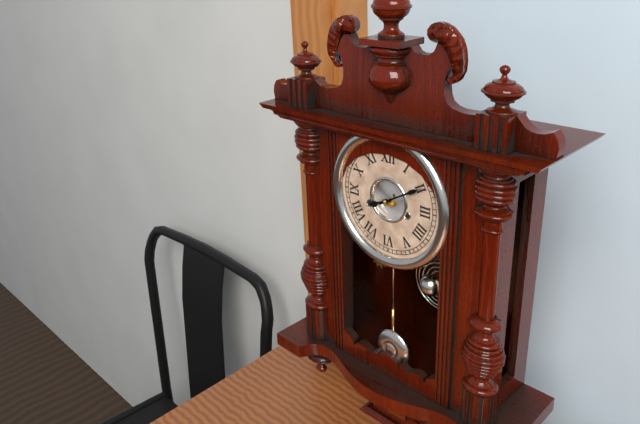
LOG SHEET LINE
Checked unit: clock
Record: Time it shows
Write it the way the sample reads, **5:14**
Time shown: **8:10**
